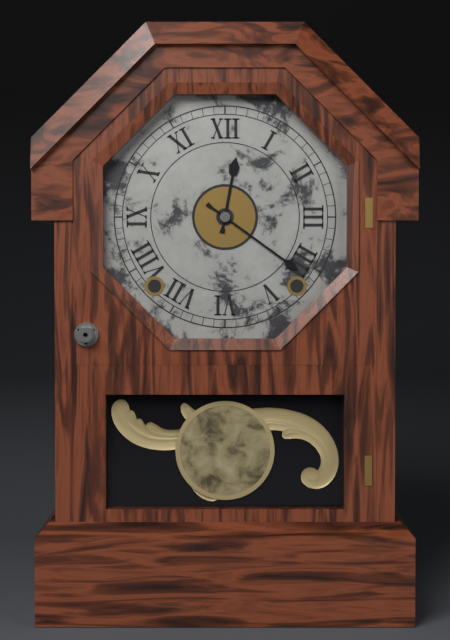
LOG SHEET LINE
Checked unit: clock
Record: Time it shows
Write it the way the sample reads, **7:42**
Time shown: **12:21**
